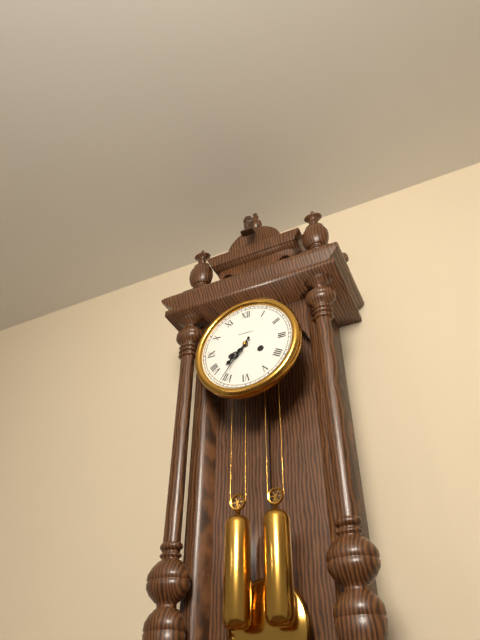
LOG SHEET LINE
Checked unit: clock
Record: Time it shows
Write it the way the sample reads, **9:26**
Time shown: **7:36**
